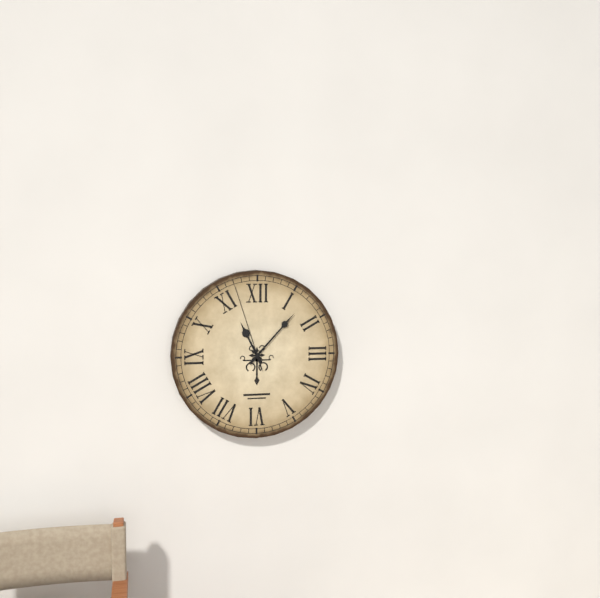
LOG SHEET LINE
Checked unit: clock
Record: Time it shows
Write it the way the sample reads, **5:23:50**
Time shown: **11:07:57**
